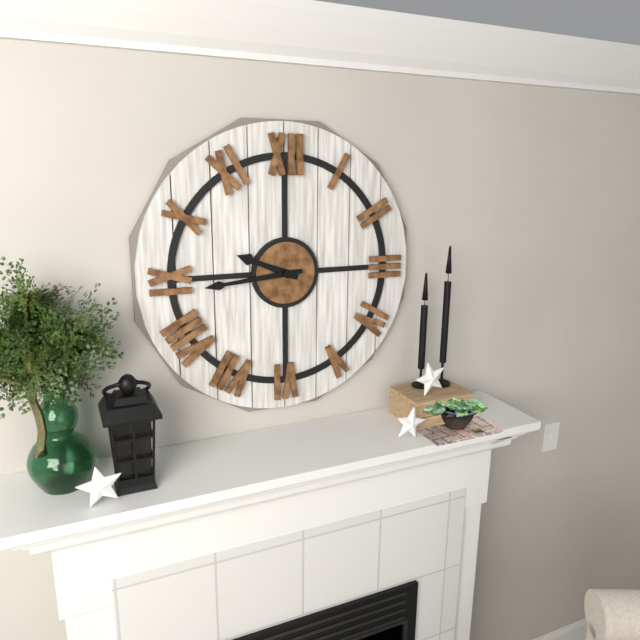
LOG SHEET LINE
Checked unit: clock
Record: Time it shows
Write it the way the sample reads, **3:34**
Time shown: **9:44**
